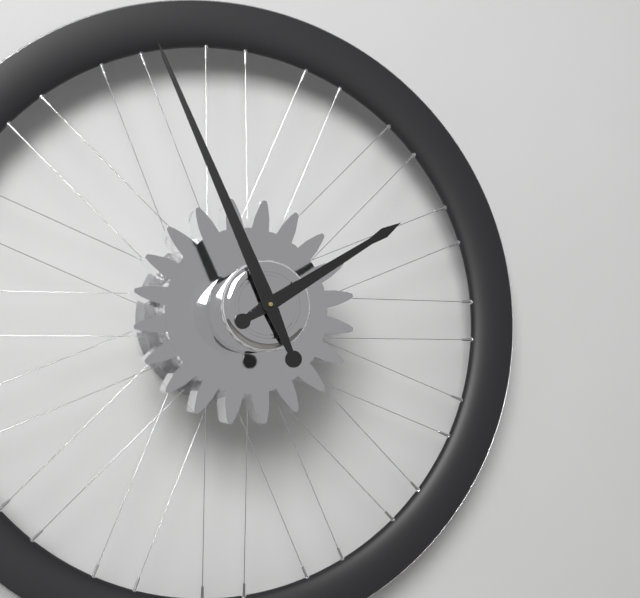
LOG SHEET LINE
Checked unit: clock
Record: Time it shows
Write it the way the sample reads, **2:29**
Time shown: **1:56**
